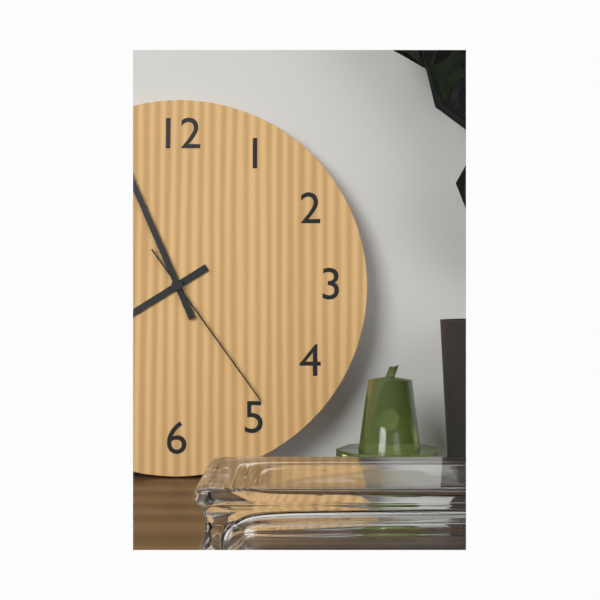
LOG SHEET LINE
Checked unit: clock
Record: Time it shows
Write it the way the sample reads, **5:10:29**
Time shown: **7:56:24**
